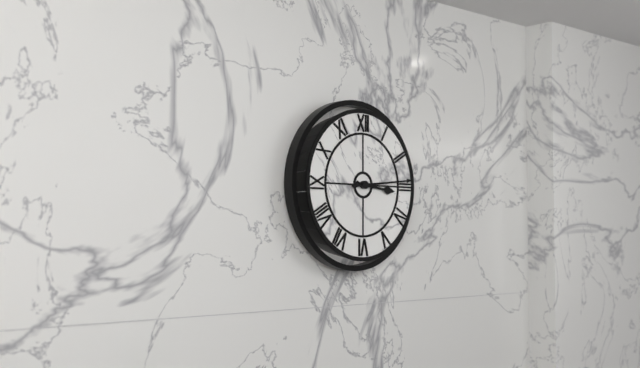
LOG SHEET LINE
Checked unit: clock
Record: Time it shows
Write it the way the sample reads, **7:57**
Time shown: **3:14**
